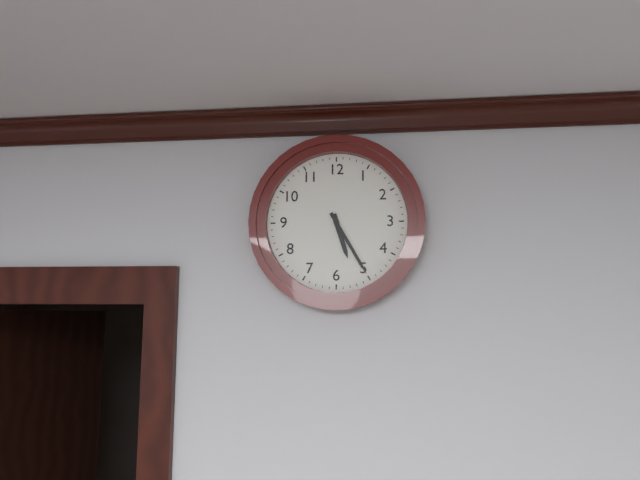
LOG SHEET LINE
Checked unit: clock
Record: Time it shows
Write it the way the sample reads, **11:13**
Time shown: **5:25**
